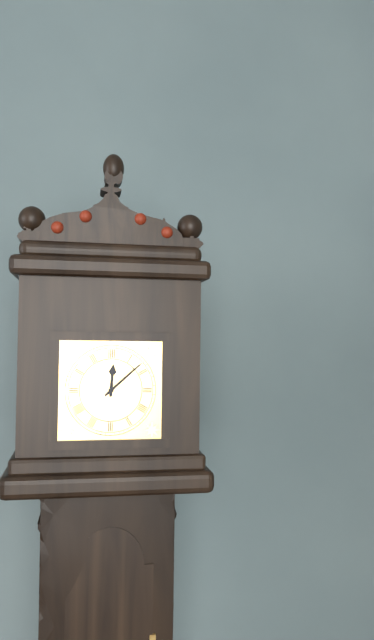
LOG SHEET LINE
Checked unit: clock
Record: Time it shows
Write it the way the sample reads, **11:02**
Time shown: **12:08**
